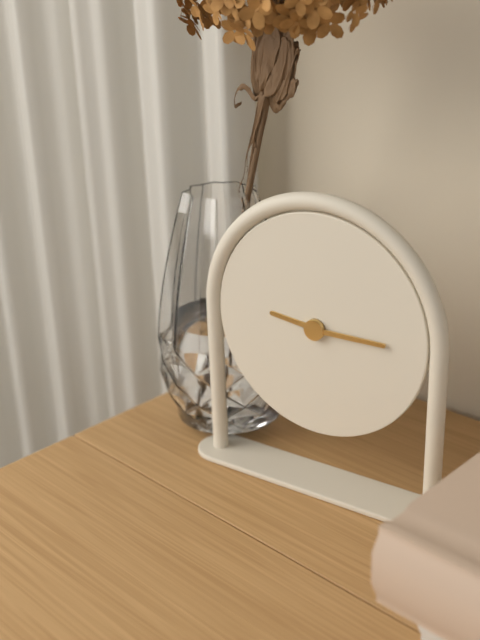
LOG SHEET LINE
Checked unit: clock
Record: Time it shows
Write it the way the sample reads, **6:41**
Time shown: **9:15**
